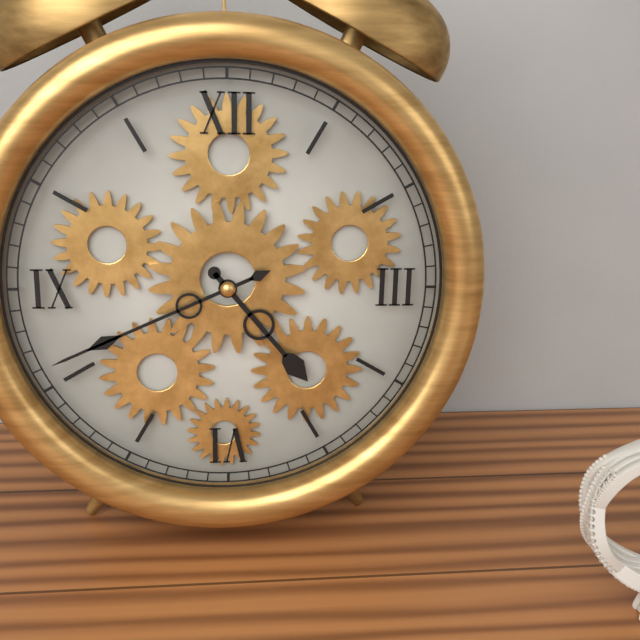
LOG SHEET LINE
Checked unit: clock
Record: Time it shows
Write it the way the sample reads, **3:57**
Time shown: **4:41**
